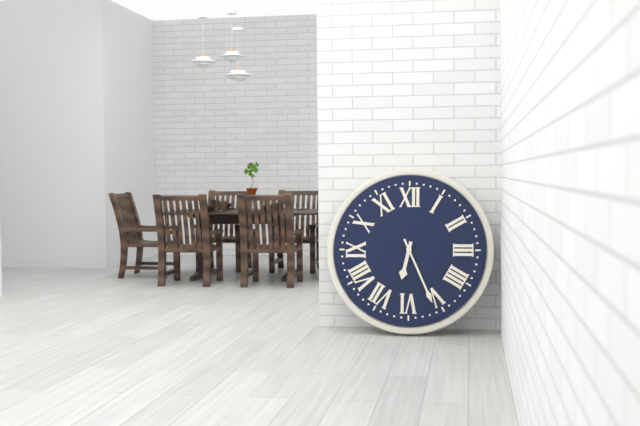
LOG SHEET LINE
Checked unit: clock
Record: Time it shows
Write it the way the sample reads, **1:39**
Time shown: **6:26**
